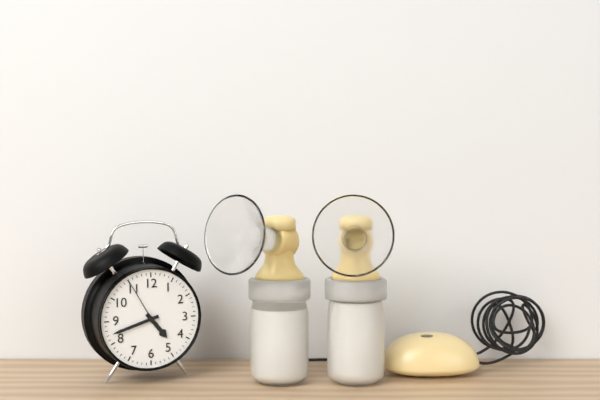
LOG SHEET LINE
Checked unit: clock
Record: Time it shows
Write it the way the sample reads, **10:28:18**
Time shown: **4:42:55**
